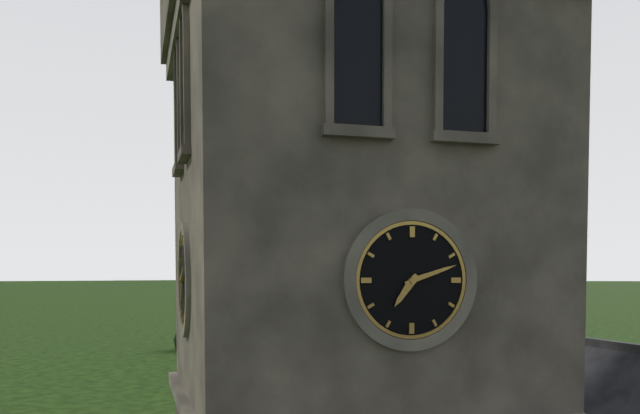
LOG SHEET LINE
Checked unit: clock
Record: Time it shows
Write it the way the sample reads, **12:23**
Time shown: **7:12**
